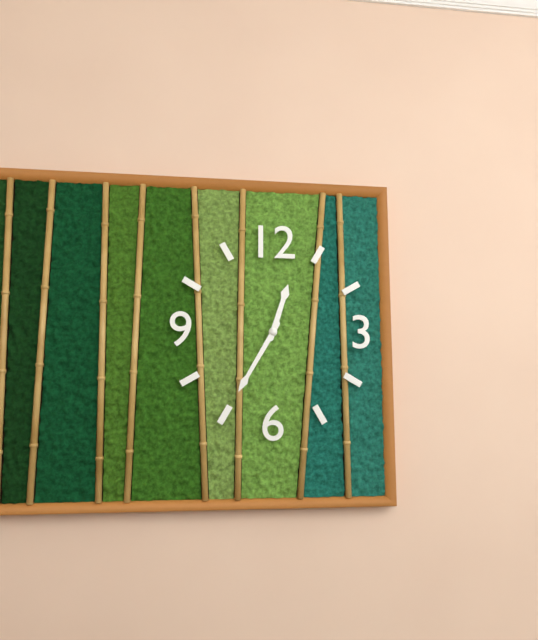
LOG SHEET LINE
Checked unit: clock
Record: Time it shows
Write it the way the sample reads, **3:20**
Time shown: **12:35**
